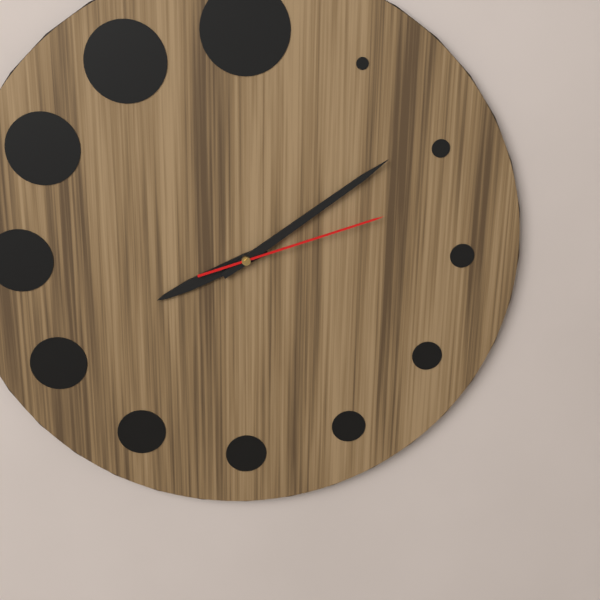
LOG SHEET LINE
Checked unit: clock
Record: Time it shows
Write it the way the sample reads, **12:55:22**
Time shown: **8:09:12**
